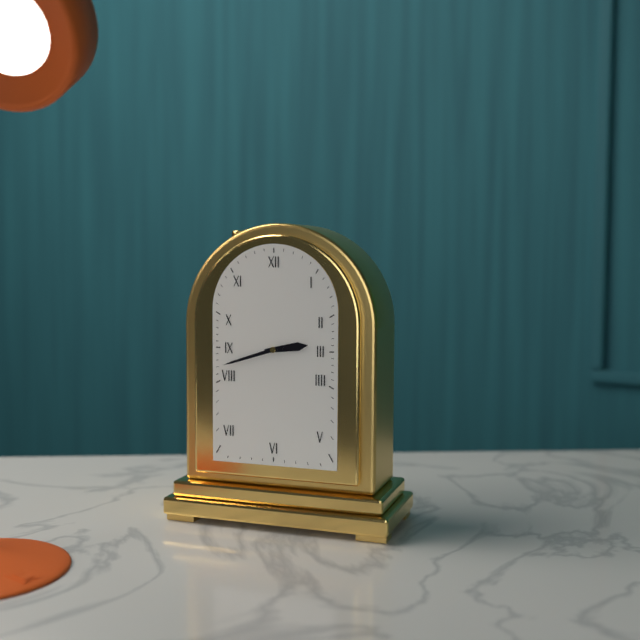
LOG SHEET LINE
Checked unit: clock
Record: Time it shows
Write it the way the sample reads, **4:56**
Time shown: **2:42**
